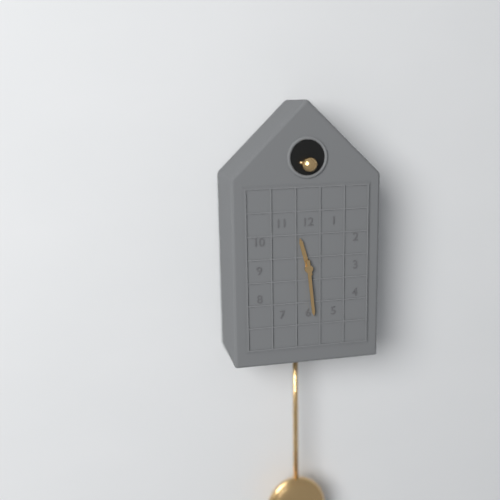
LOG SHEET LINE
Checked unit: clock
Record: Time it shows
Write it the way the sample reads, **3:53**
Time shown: **11:29**
